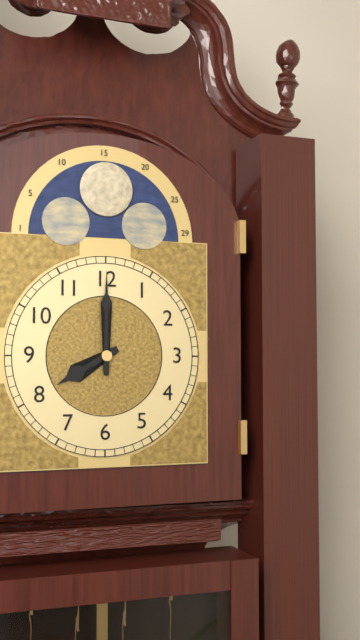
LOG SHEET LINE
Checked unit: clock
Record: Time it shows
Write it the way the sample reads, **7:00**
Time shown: **8:00**
